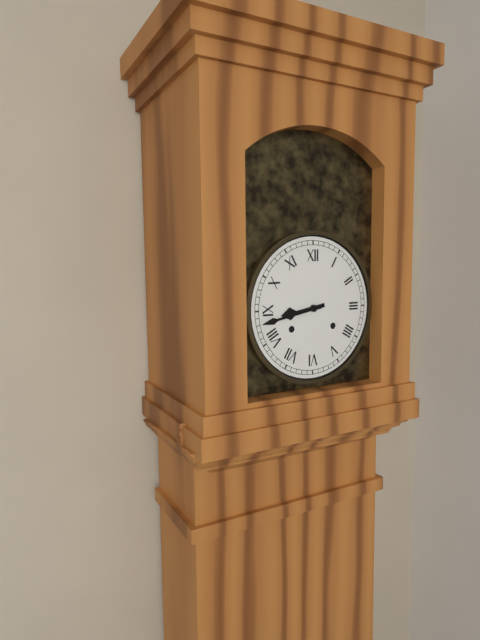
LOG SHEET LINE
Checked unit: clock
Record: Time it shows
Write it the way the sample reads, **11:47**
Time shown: **8:43**
